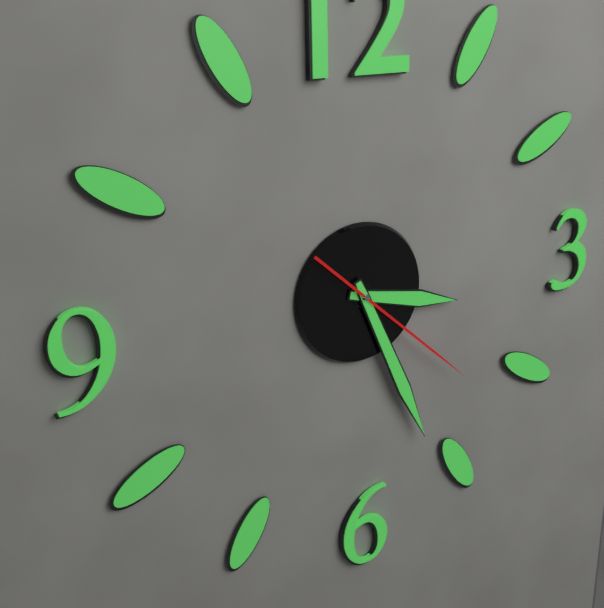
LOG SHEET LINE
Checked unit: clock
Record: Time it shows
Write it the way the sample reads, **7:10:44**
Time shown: **3:26:22**
